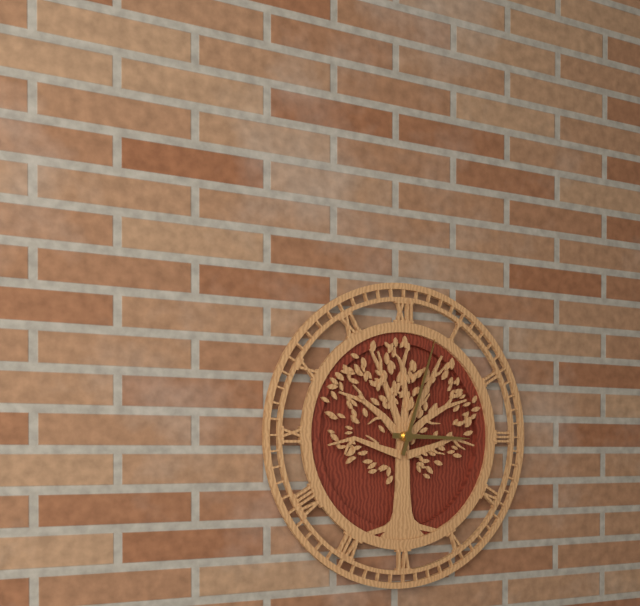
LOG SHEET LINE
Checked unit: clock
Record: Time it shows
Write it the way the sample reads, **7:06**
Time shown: **3:03**
